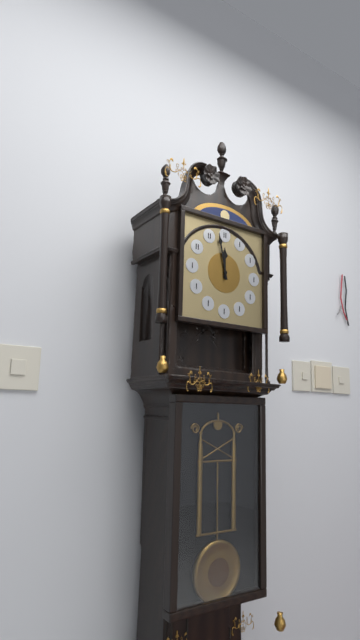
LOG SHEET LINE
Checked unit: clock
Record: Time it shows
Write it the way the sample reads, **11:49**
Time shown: **11:58**
